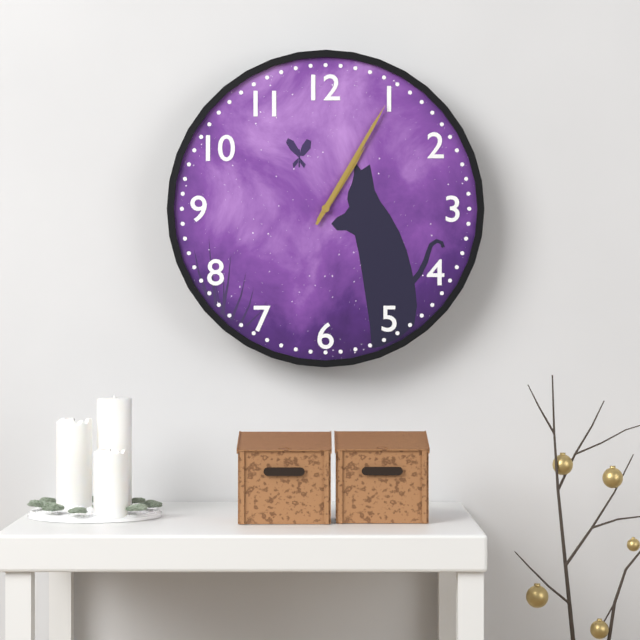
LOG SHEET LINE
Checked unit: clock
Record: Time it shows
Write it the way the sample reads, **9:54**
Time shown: **1:05**
